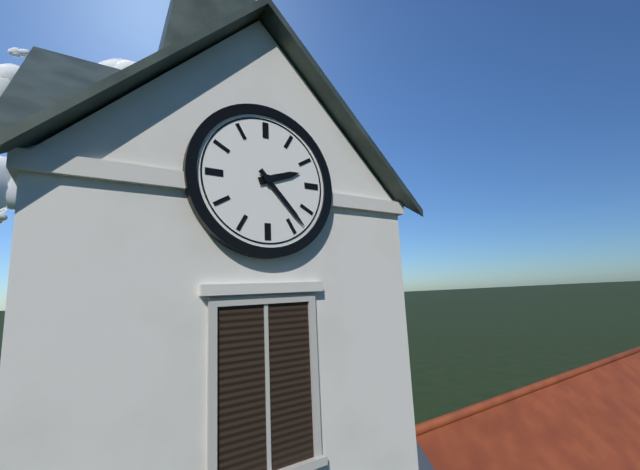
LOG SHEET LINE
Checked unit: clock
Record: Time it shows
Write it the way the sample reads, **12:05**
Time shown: **2:23**
